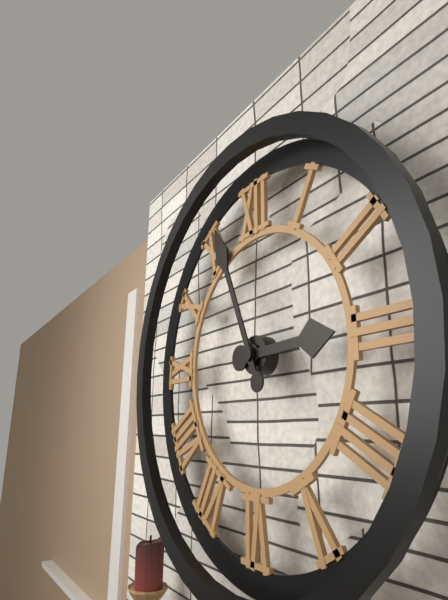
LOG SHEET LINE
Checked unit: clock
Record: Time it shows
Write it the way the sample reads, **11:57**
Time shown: **2:56**
